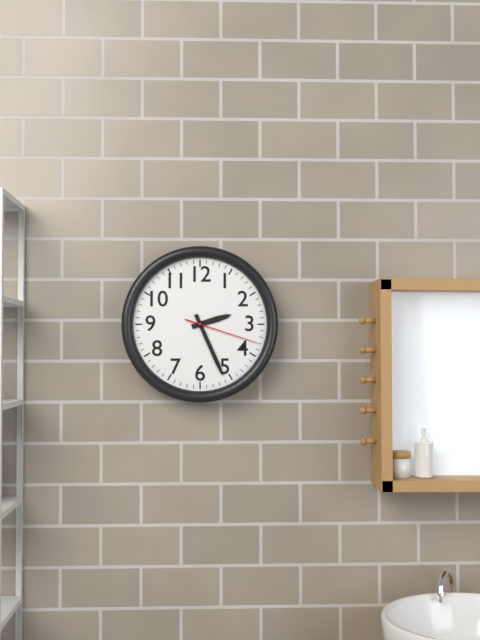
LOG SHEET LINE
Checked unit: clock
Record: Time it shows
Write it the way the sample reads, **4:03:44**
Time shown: **2:26:18**
